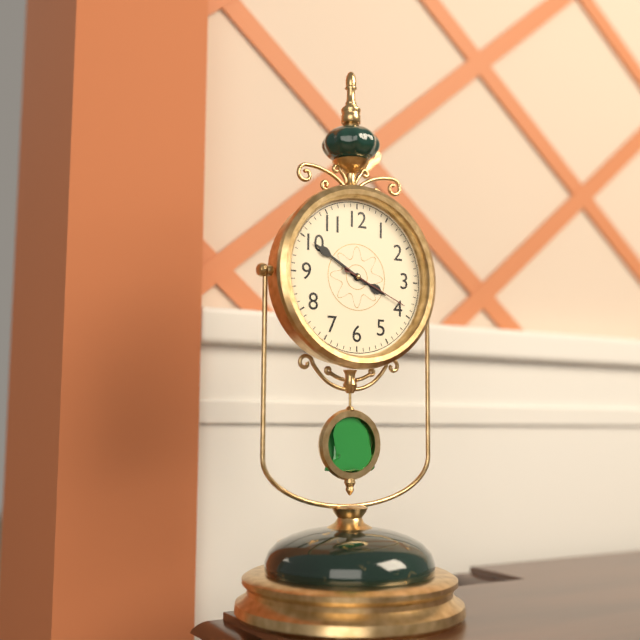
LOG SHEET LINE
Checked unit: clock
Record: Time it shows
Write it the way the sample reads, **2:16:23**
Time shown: **3:50:19**
